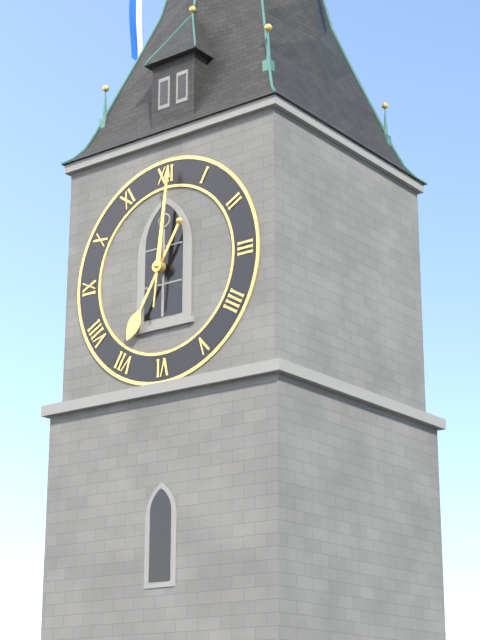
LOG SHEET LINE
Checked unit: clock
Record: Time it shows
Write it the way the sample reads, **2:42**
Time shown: **7:01**
